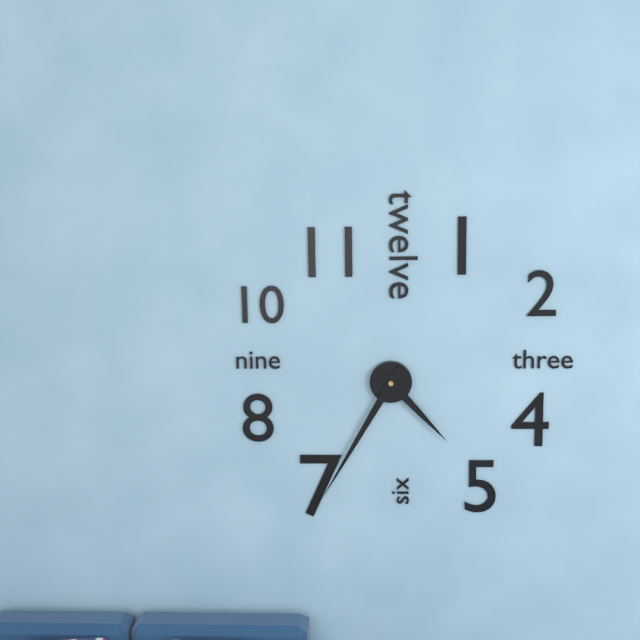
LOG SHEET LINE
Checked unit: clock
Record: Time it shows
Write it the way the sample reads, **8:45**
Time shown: **4:35**
